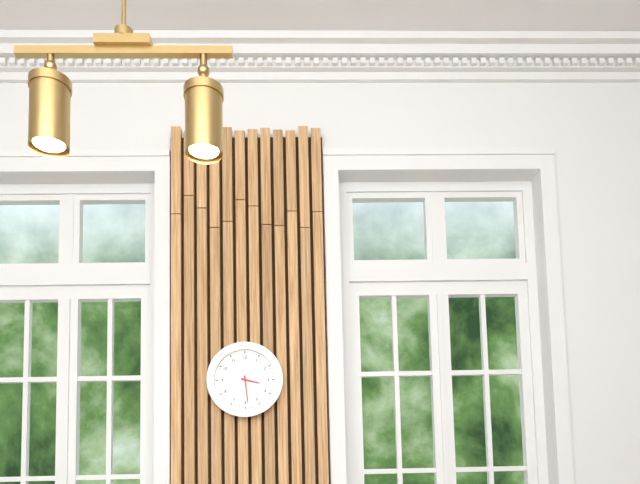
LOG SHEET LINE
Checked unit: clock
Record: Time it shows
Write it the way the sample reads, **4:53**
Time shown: **3:29**
